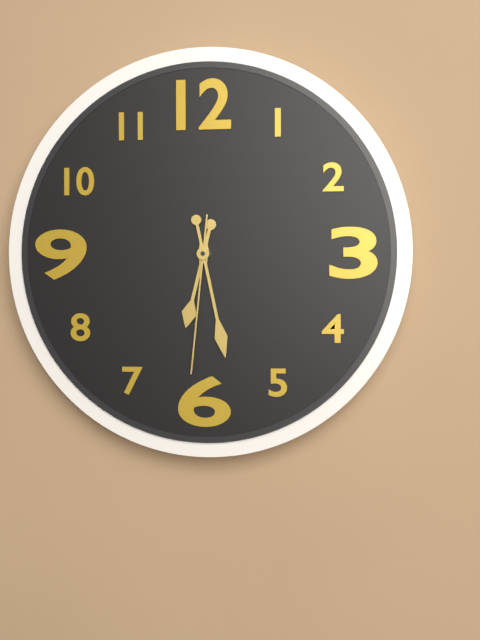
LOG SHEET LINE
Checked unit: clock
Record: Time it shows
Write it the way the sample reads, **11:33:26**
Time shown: **6:28:31**
